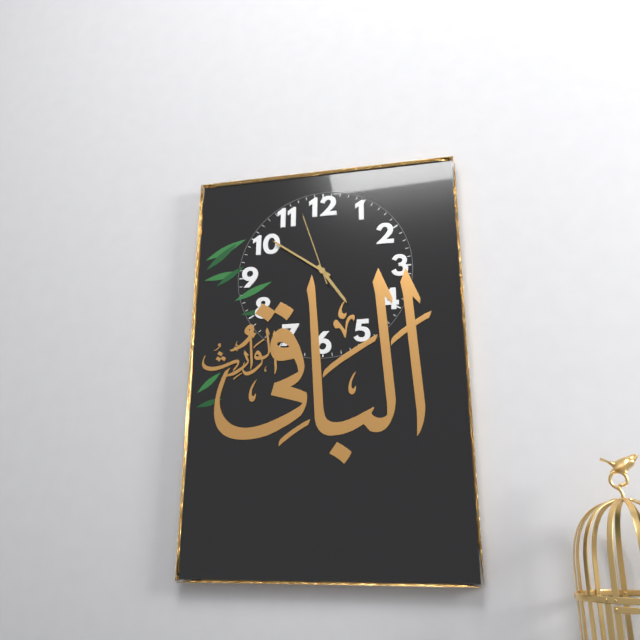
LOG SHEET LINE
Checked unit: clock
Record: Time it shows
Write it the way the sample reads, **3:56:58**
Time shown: **4:51:57**
